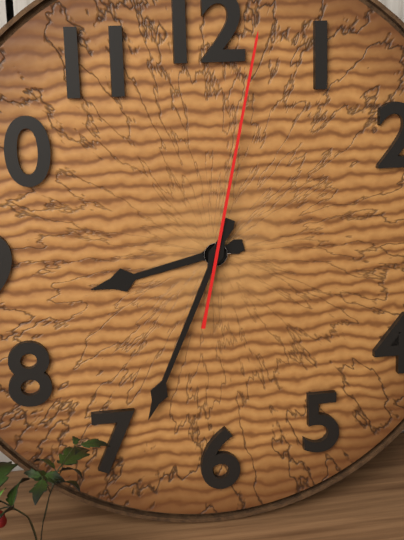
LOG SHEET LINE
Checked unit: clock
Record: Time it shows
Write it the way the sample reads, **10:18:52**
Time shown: **8:34:02**
